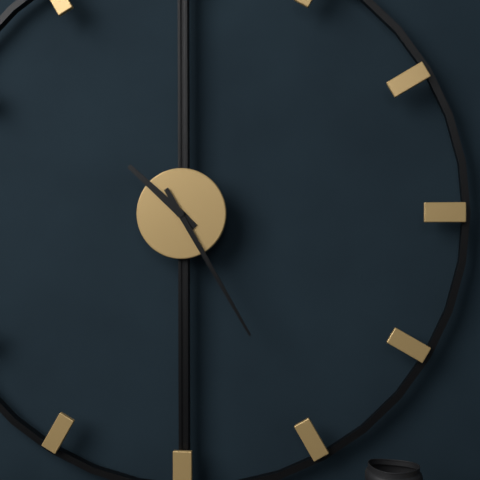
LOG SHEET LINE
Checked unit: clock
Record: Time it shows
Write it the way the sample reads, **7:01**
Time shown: **10:25**
